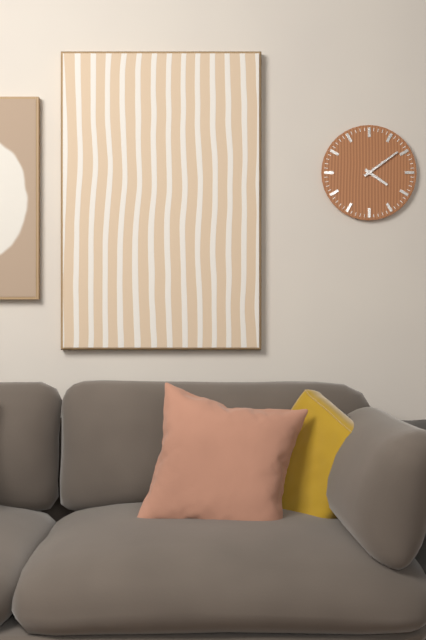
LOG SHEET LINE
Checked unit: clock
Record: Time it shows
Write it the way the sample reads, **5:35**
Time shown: **4:09**
